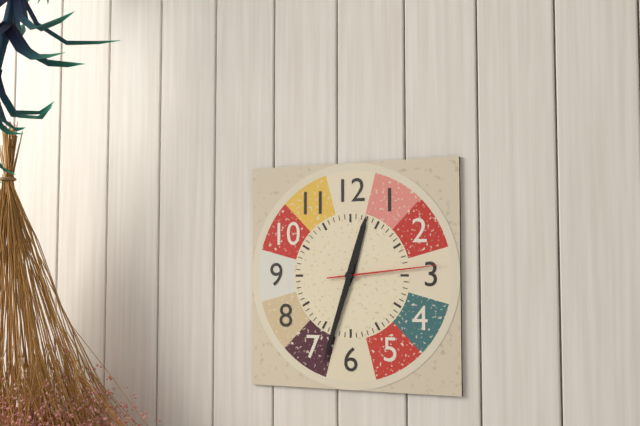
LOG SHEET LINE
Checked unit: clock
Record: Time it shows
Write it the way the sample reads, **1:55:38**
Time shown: **12:33:14**
